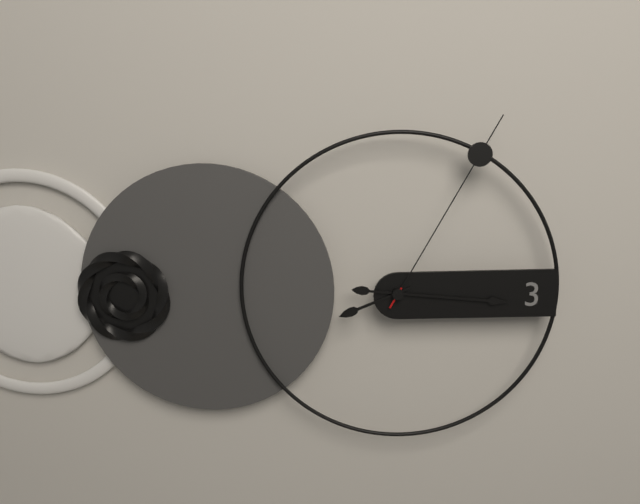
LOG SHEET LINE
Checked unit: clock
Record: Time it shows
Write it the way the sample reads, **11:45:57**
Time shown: **8:16:05**
